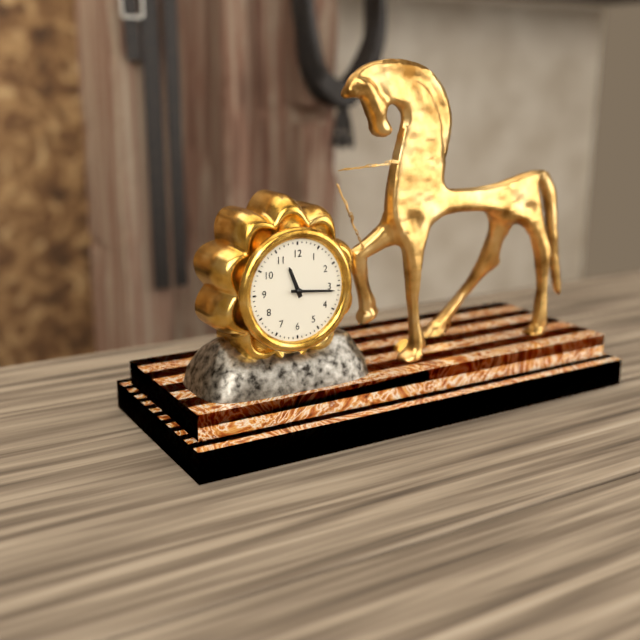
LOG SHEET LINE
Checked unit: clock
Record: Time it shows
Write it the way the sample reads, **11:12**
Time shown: **11:16**
